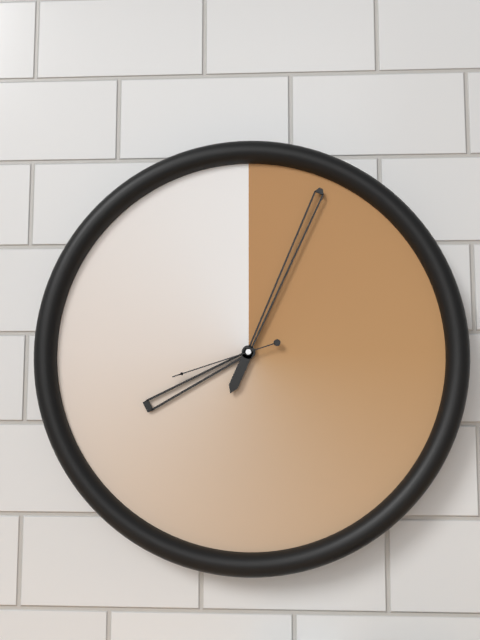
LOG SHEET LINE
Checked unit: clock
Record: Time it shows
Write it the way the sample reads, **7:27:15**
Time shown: **8:04:42**
